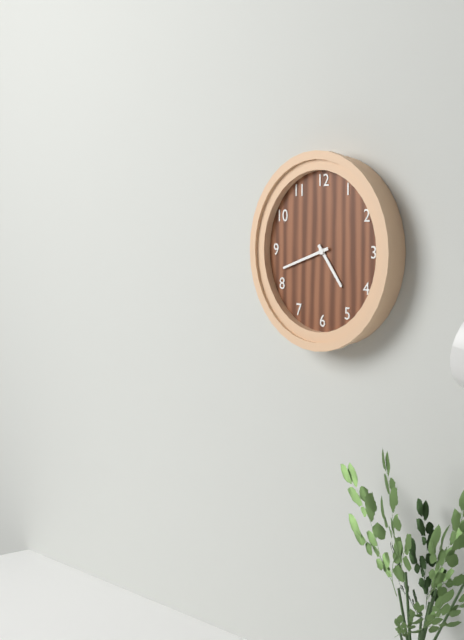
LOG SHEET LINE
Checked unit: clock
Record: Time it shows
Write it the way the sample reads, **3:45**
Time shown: **4:42**
